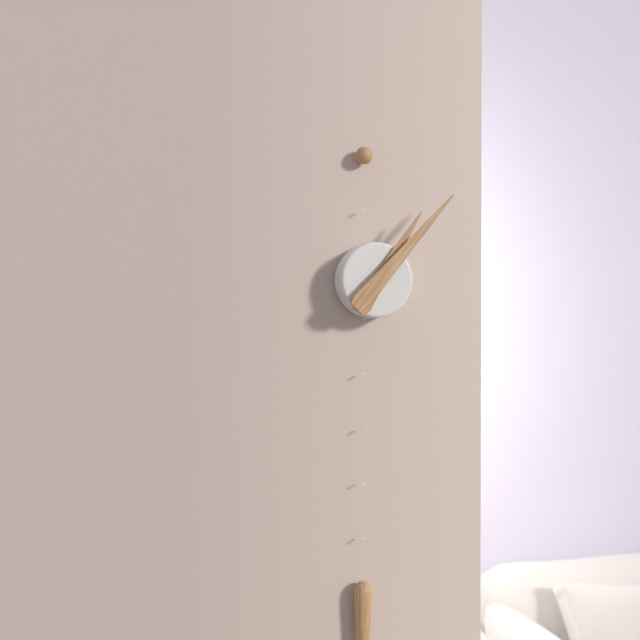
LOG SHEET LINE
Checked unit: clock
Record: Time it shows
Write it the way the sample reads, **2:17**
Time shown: **1:07**
